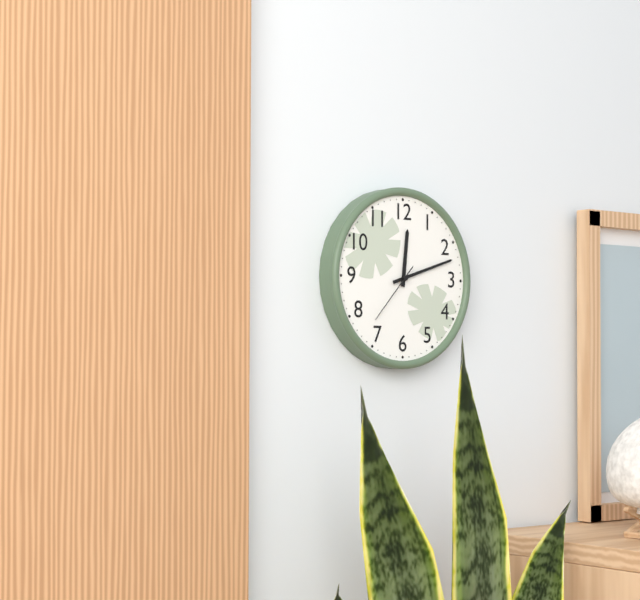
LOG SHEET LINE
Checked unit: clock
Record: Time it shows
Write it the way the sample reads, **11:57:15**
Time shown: **12:12:37**
